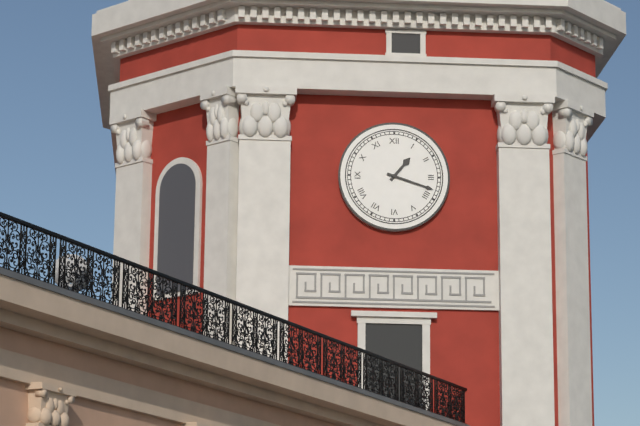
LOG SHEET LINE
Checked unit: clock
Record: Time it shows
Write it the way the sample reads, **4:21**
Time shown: **1:18**
